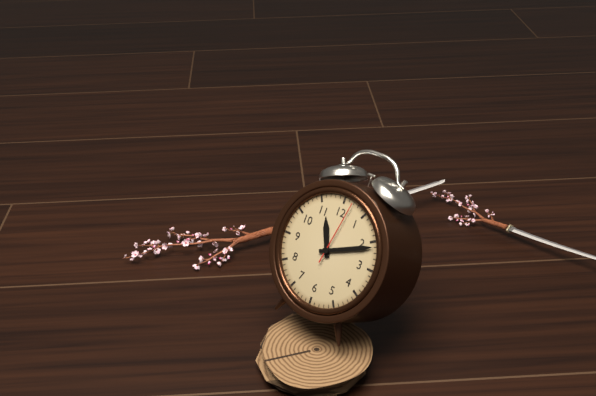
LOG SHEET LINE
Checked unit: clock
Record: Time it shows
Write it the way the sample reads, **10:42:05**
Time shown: **11:11:02**
